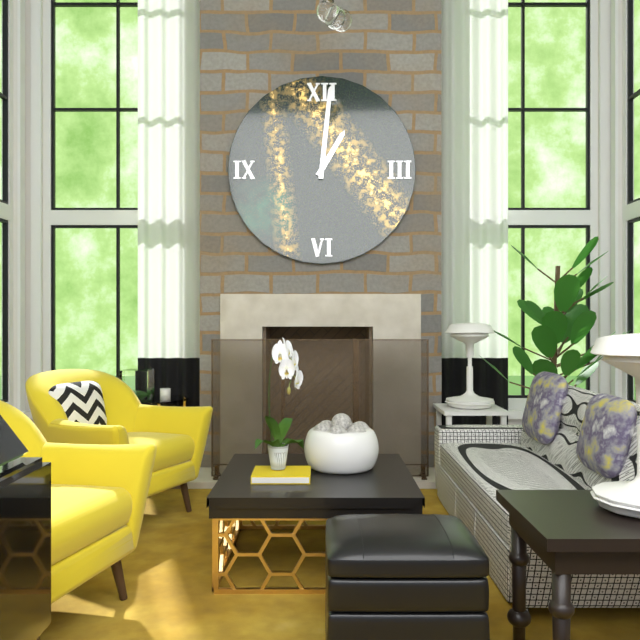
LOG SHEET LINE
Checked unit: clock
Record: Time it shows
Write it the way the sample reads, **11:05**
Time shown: **1:01**
